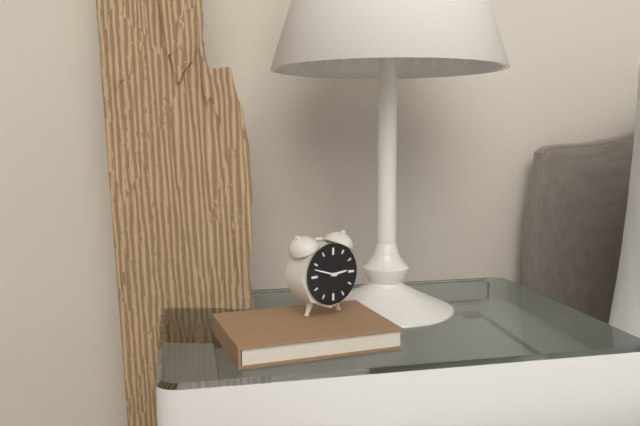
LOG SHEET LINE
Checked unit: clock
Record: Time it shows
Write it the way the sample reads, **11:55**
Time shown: **2:48**
